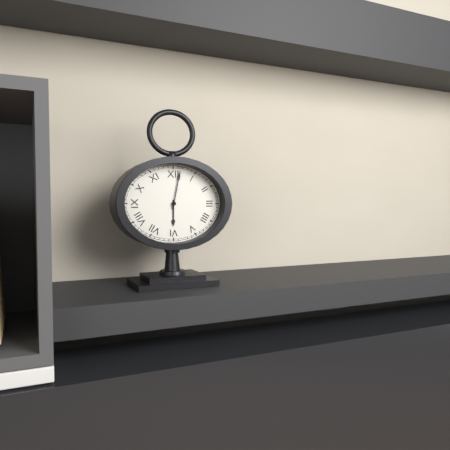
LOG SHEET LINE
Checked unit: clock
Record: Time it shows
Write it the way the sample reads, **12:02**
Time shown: **6:02**
